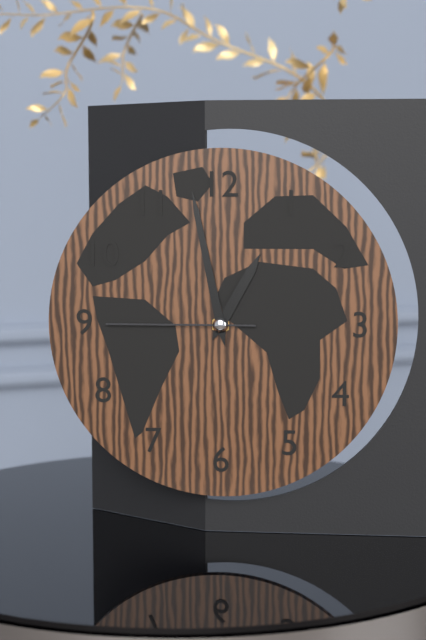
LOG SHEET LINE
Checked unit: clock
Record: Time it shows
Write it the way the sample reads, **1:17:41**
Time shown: **12:58:45**
